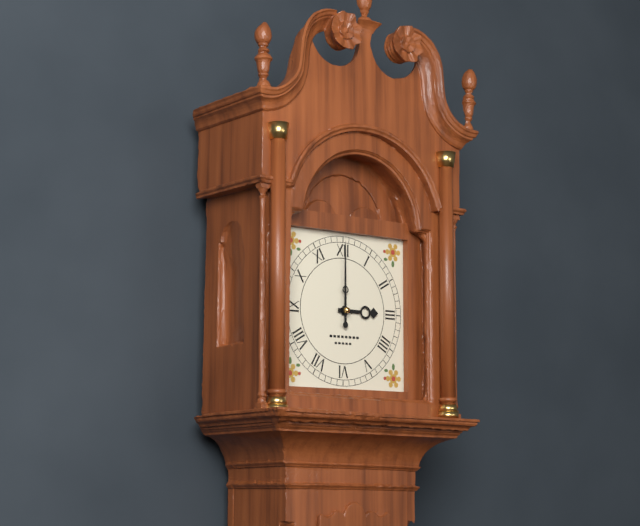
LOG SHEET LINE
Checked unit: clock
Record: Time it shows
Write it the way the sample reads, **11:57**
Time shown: **3:00**
